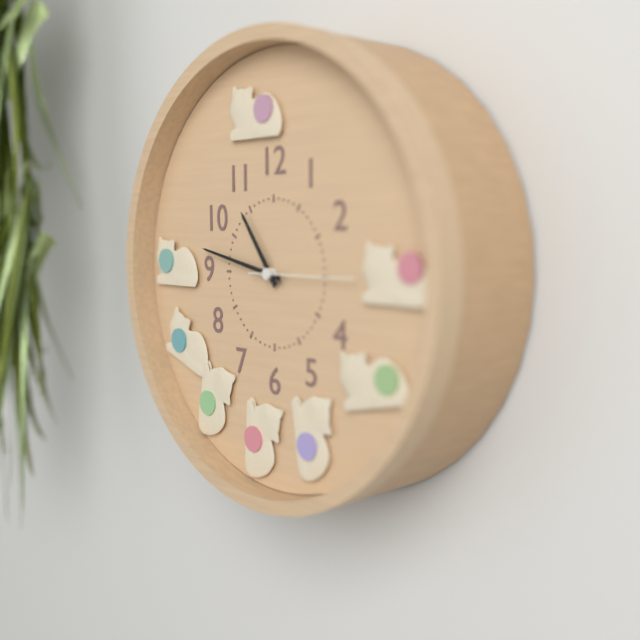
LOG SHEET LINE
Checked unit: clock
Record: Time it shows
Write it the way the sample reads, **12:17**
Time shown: **10:47**
